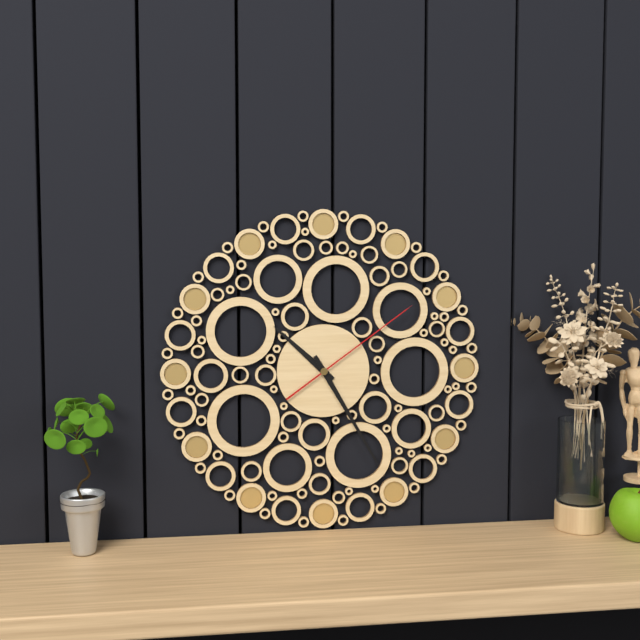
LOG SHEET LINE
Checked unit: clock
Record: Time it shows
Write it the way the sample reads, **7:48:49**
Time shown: **10:25:09**
